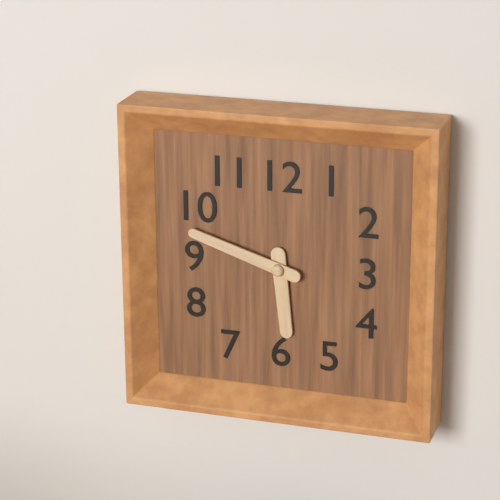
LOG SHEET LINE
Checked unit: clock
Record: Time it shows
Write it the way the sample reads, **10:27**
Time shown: **5:48**
